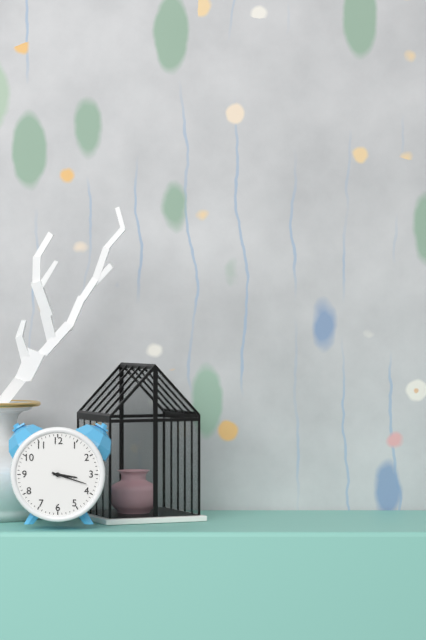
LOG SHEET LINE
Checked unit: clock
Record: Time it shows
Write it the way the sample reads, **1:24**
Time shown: **3:18**
